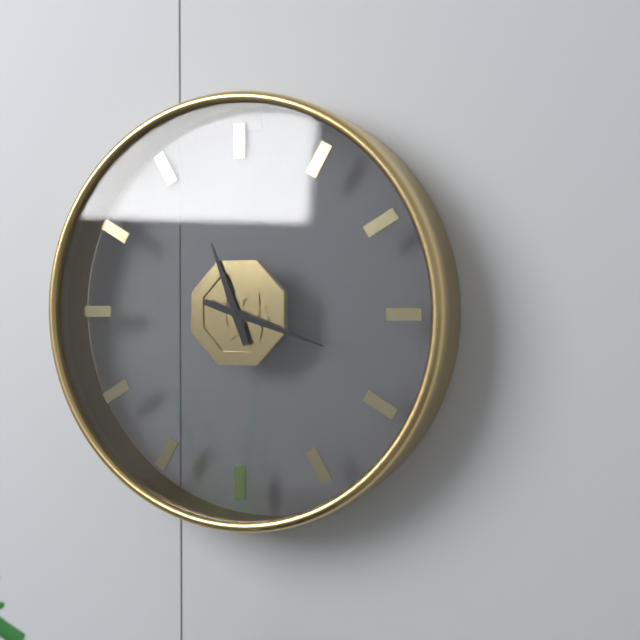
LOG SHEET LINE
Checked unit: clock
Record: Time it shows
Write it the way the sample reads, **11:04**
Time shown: **11:18**
